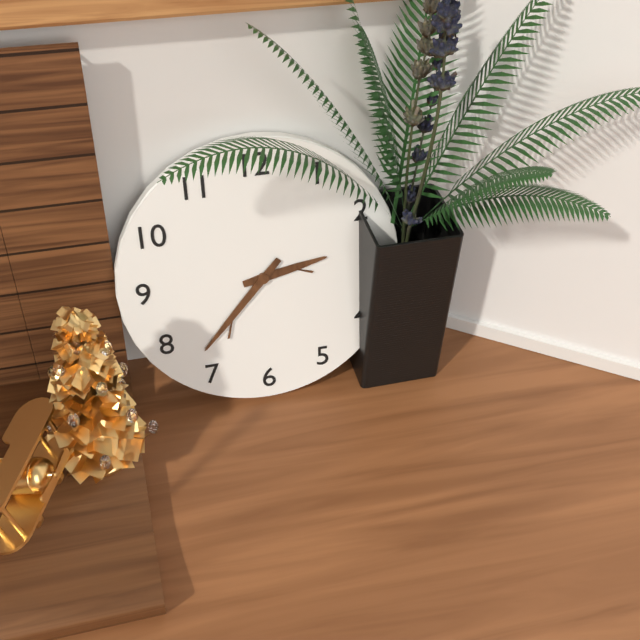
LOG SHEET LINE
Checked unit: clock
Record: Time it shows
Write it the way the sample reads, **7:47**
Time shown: **2:37**
